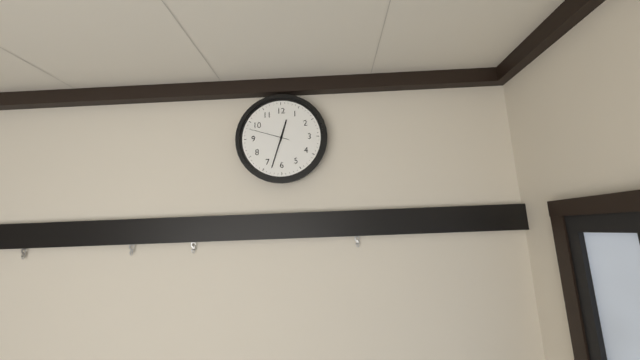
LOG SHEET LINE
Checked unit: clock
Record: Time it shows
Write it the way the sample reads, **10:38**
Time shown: **12:33**
